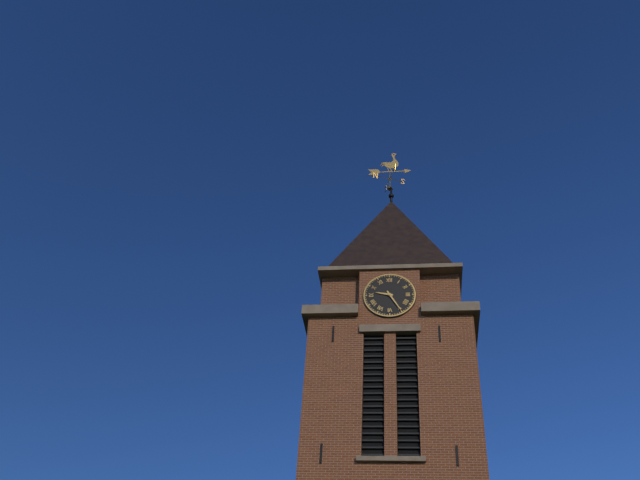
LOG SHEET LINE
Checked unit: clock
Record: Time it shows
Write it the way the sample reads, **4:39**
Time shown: **9:25**
